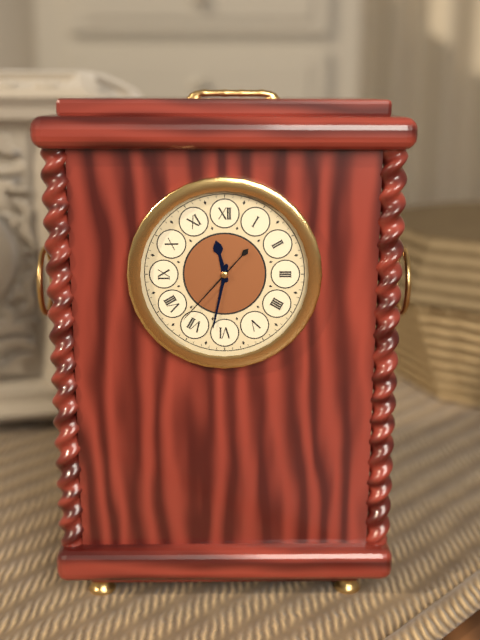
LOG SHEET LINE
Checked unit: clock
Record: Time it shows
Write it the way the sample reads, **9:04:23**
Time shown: **11:32:37**
